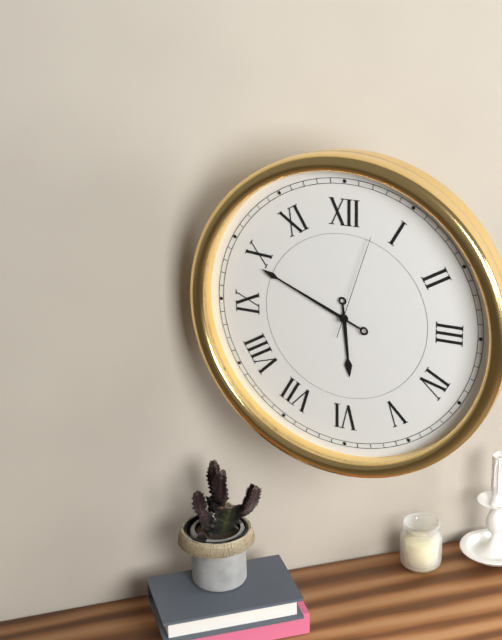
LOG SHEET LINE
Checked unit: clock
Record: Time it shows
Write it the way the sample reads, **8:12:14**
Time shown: **5:49:03**
